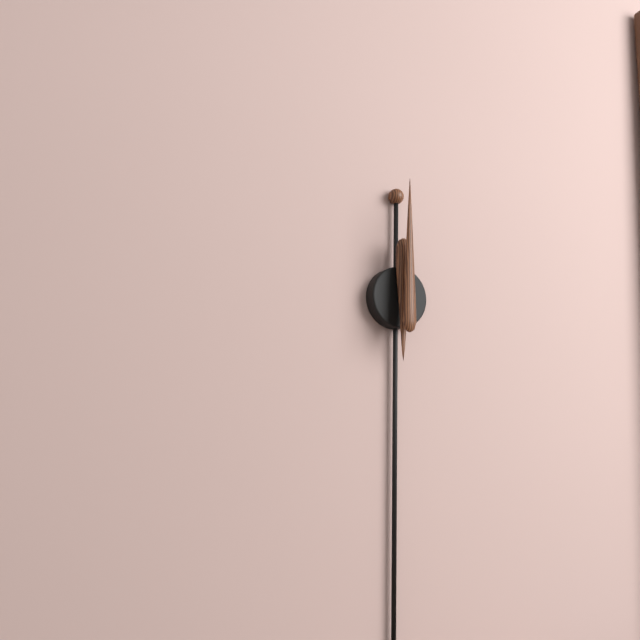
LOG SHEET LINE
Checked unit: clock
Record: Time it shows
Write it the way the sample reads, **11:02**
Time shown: **6:00**
